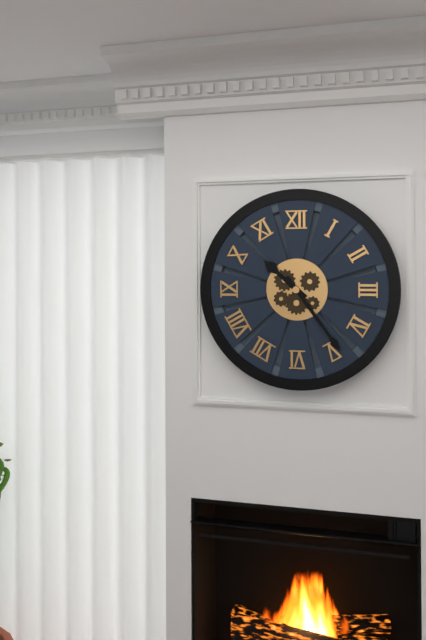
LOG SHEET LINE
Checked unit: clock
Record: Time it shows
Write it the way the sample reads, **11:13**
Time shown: **10:24**
